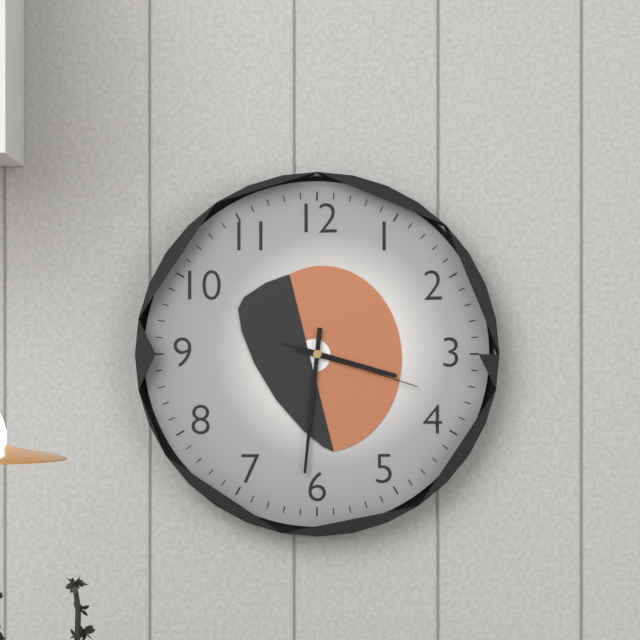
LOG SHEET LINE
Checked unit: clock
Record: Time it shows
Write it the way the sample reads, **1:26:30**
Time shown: **3:31:18**
